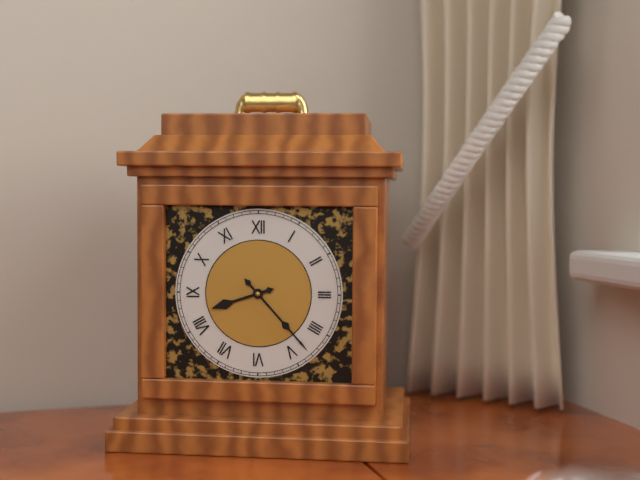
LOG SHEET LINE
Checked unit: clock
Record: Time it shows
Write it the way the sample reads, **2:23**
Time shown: **8:23**
